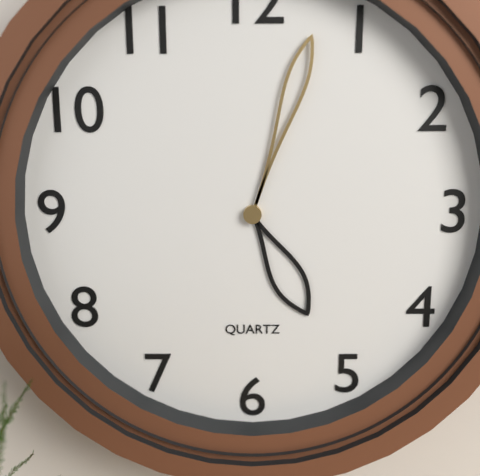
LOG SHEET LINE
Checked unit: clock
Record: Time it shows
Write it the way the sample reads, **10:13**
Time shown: **5:03**
